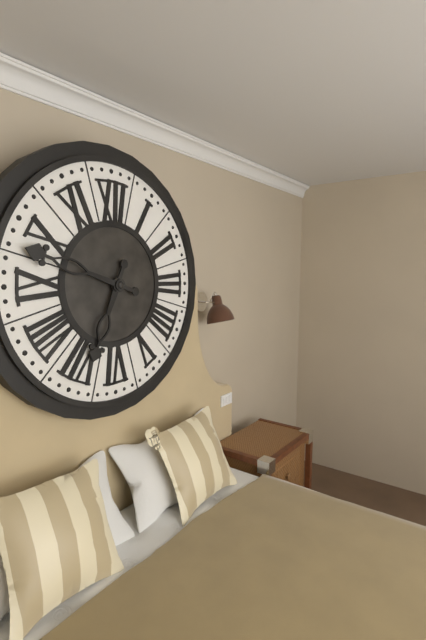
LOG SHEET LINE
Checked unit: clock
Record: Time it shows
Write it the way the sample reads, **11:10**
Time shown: **6:48**
